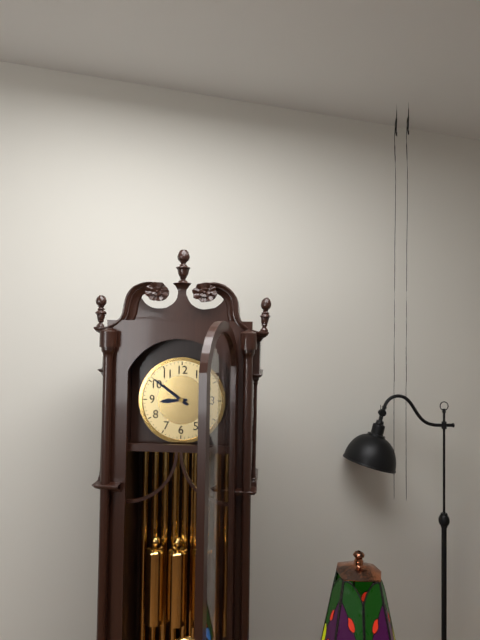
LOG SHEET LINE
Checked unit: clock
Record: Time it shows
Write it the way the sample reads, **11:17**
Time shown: **8:51**
